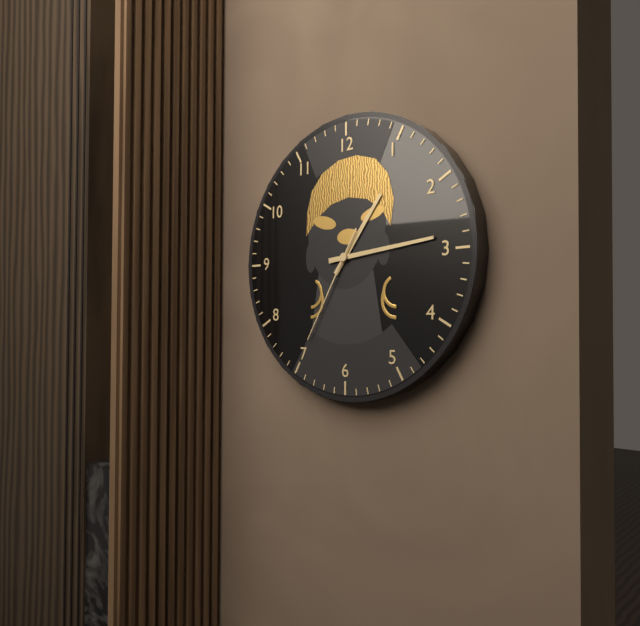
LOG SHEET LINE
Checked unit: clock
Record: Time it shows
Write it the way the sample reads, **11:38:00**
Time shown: **1:14:35**
